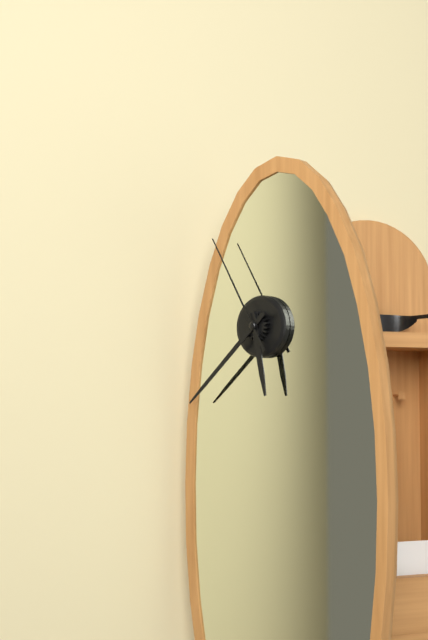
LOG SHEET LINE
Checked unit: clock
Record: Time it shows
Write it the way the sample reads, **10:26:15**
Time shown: **5:38:55**
